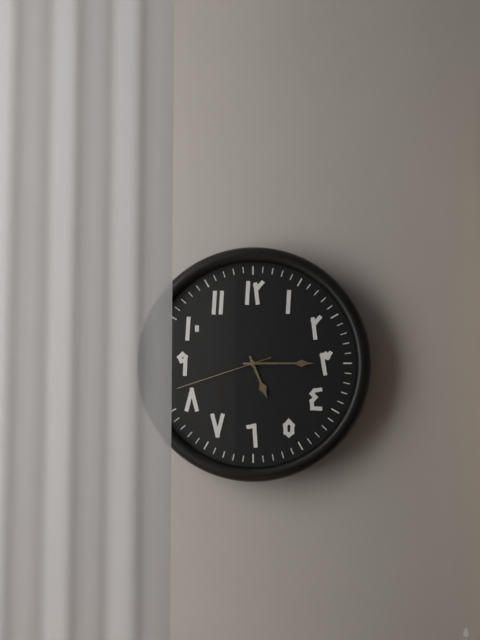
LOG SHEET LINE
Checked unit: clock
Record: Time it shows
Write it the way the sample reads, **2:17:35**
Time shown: **5:15:42**
